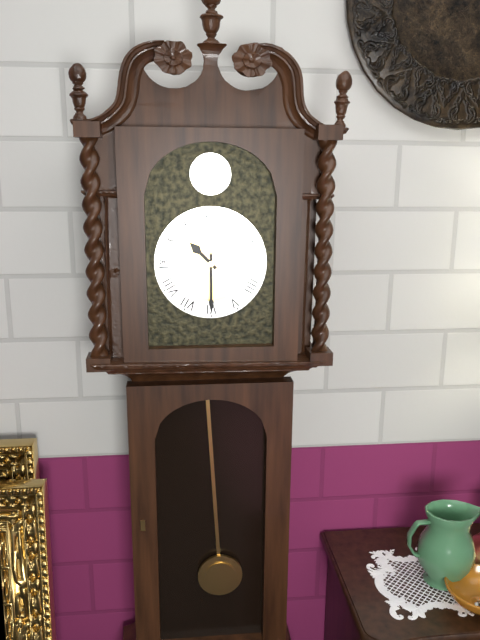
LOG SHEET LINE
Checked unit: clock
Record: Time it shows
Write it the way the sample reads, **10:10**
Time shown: **10:30**
